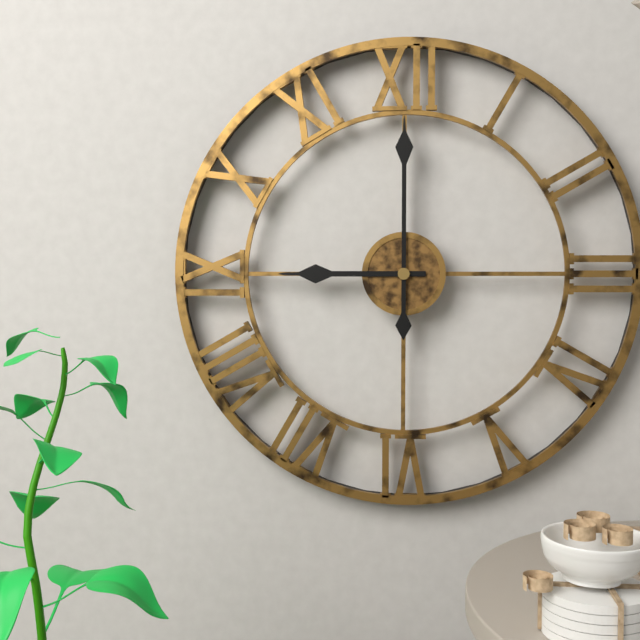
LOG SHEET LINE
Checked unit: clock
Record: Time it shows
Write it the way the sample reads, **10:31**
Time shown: **9:00**
